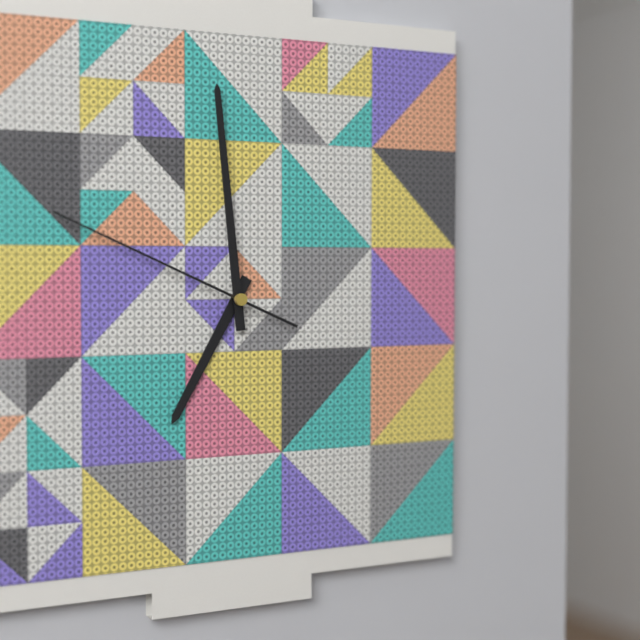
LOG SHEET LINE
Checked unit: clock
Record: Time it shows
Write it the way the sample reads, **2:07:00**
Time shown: **6:59:49**
